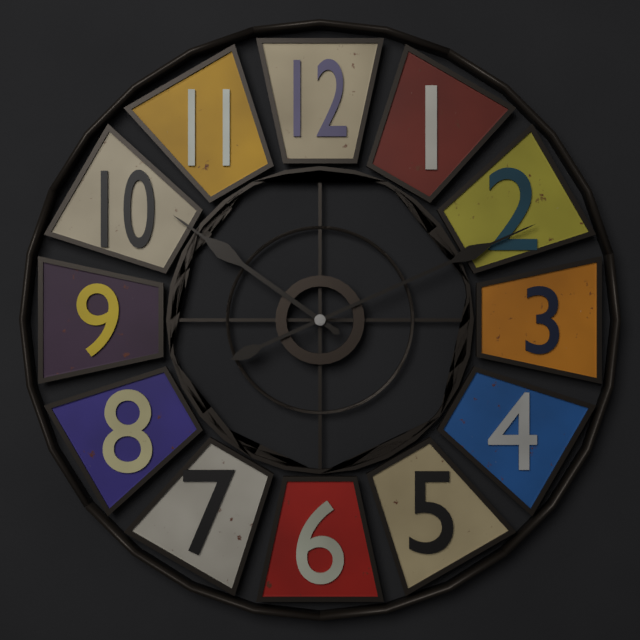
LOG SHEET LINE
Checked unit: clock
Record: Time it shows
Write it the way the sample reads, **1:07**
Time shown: **10:11**
